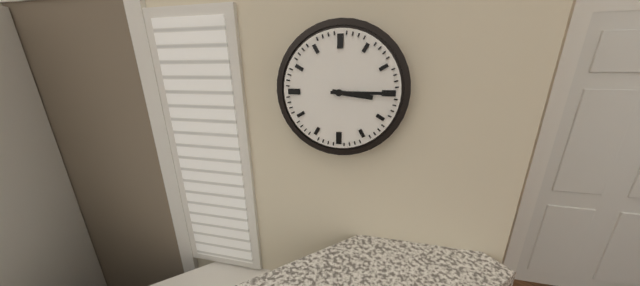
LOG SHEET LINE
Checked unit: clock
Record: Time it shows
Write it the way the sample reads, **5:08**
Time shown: **3:15**
